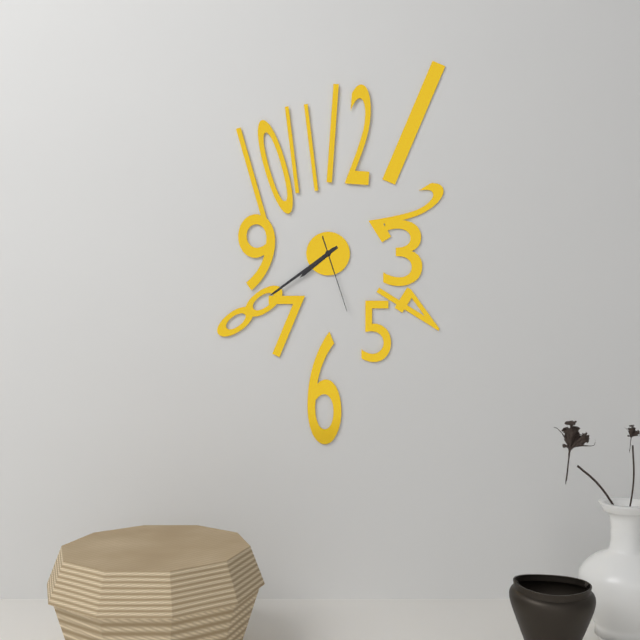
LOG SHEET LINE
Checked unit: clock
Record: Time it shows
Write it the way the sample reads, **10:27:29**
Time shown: **7:39:27**
